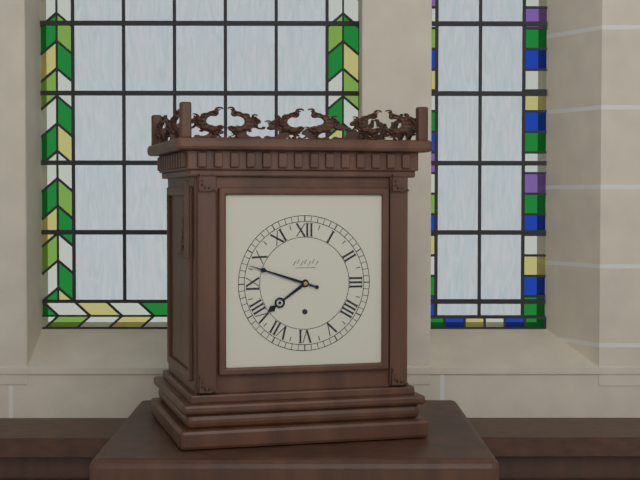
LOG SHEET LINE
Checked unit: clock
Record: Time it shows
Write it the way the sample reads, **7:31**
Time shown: **7:48**
